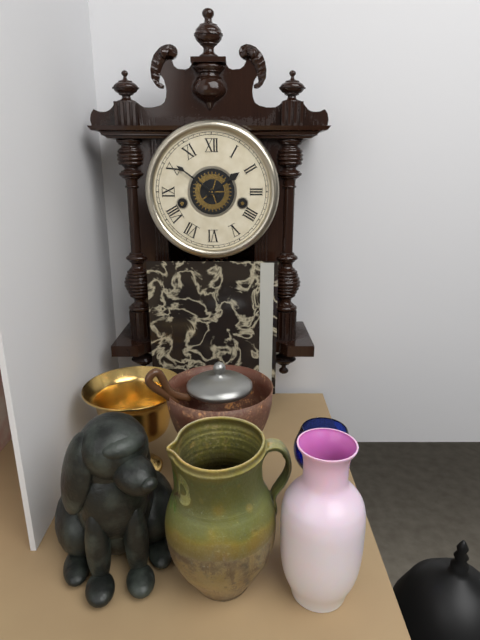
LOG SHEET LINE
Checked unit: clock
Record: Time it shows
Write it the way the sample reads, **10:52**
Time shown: **1:51**
